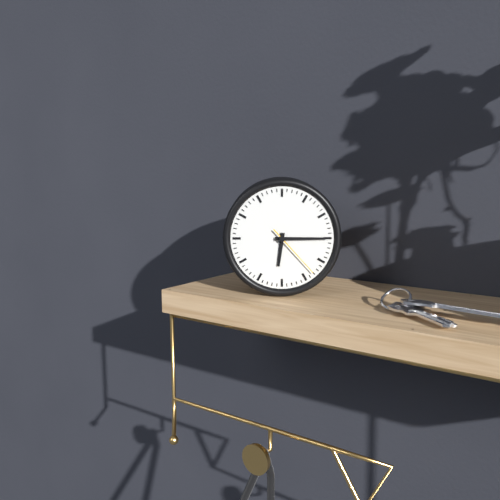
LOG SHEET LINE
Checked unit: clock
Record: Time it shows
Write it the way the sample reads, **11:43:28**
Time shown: **6:15:23**
